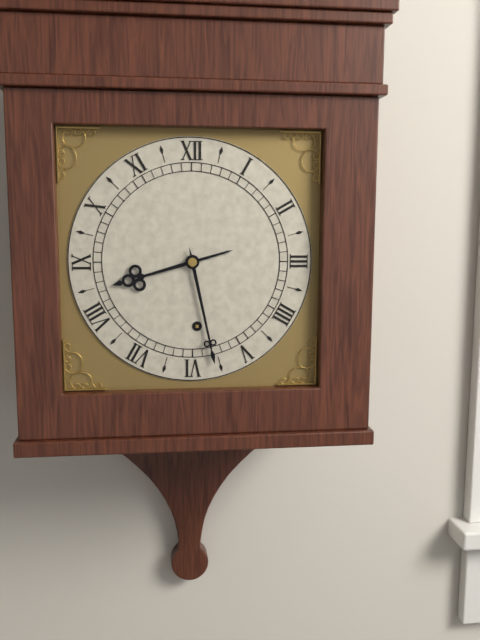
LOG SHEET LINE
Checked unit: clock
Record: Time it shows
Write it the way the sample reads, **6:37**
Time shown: **8:28**
